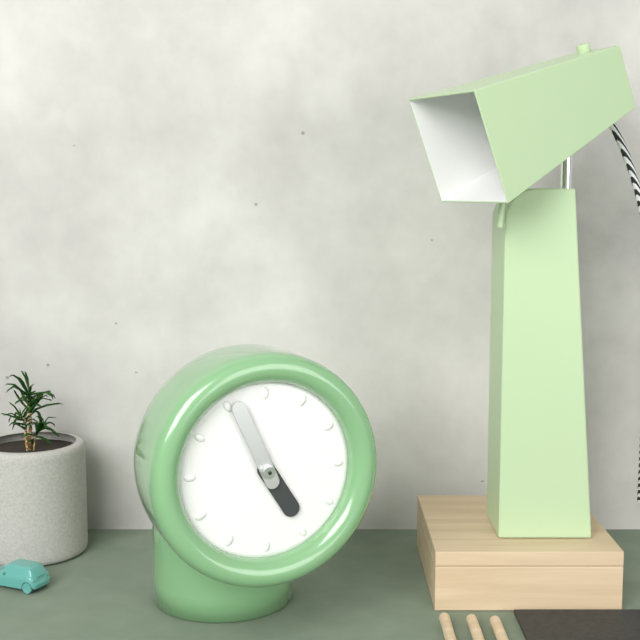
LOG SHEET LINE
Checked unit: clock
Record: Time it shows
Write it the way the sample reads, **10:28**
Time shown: **4:56**
